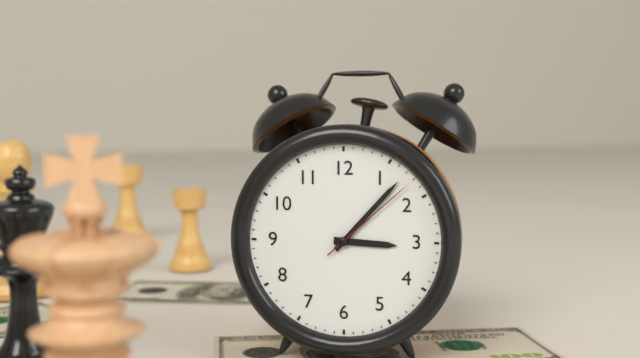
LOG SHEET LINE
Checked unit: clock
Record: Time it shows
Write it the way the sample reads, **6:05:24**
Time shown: **3:07:08**
